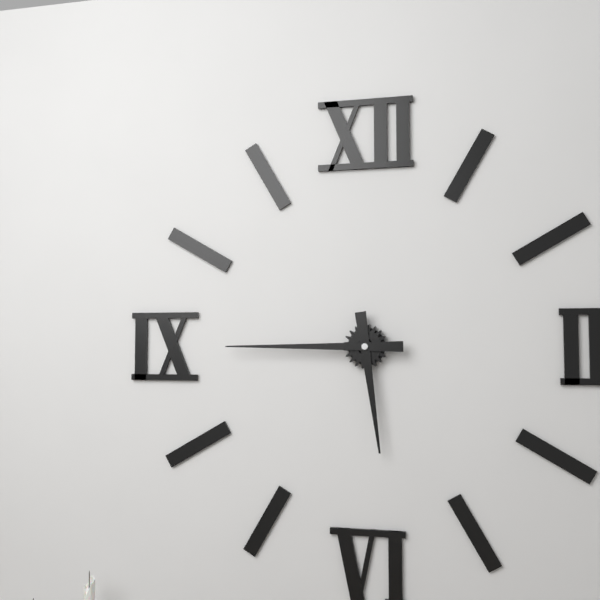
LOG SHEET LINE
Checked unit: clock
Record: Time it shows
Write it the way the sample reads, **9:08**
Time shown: **5:45**
